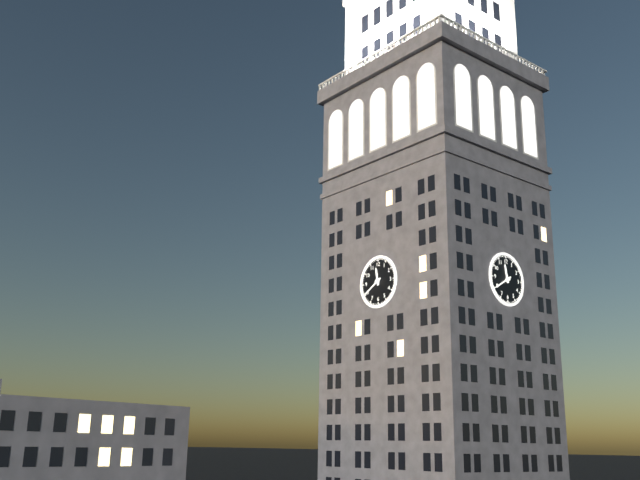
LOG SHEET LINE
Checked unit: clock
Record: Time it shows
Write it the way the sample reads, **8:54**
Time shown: **11:40**
